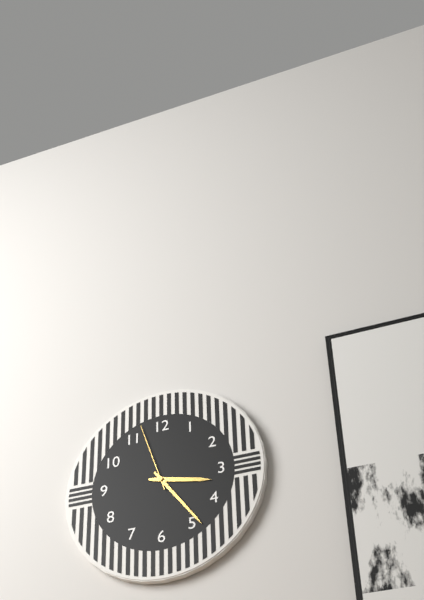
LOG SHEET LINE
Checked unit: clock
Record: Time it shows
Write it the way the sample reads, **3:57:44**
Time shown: **3:24:57**
